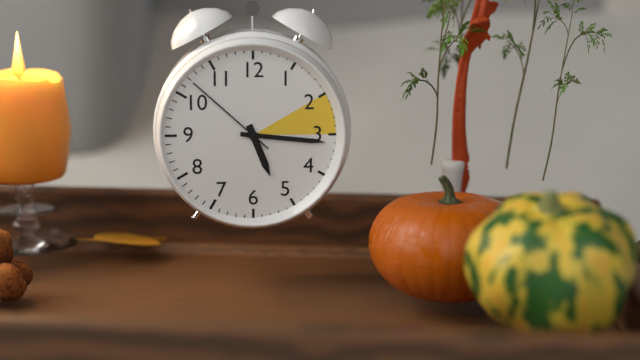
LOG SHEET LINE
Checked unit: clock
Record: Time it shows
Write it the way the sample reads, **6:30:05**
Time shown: **5:16:52**
